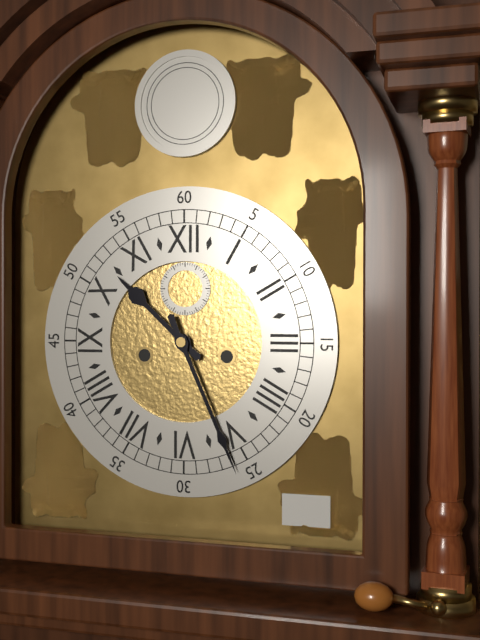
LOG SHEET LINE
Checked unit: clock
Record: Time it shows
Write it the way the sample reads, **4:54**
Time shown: **10:26**
